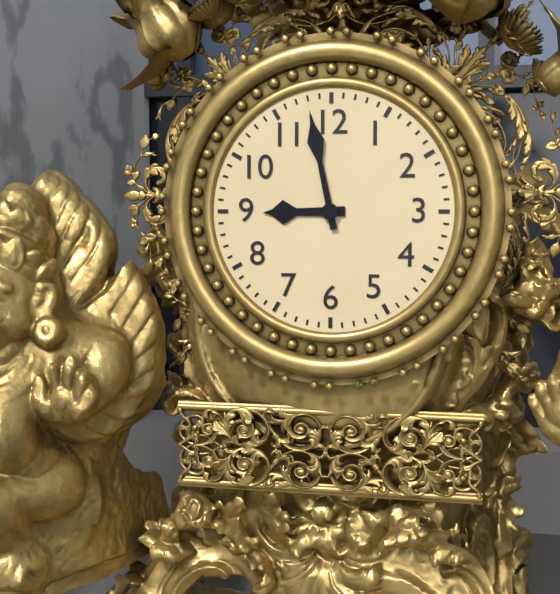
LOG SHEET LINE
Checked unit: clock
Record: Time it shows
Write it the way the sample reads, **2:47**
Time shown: **8:58**
